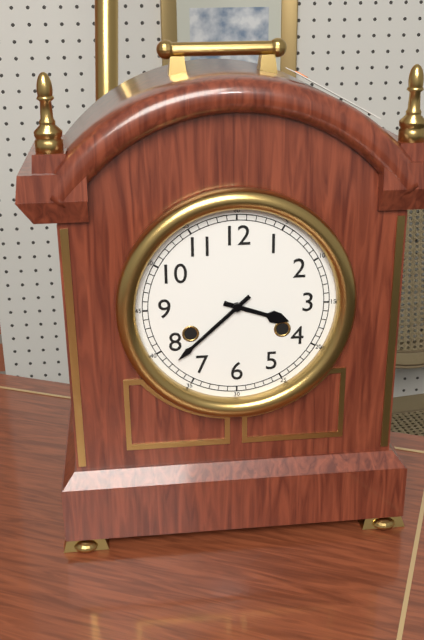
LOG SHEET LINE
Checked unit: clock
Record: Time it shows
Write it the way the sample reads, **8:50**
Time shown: **3:38**
